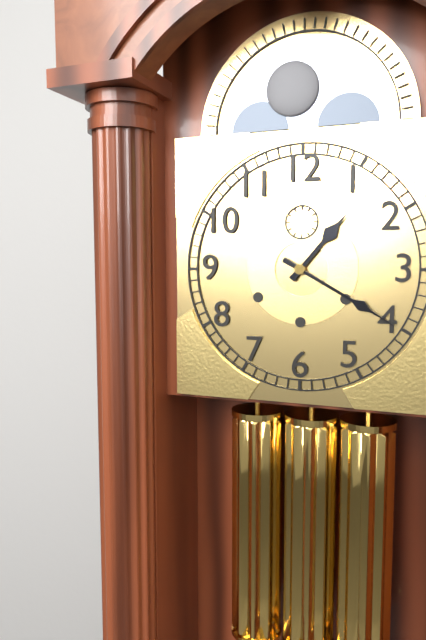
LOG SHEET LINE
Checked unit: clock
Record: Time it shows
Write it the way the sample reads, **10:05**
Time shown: **1:20**
